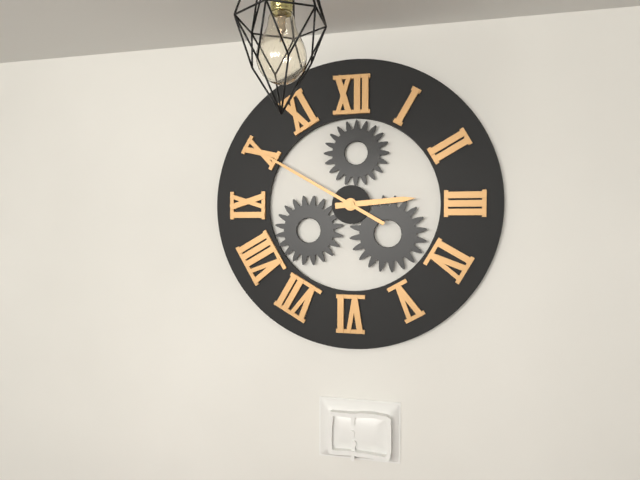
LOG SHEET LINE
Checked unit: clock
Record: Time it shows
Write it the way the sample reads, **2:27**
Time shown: **2:50**
